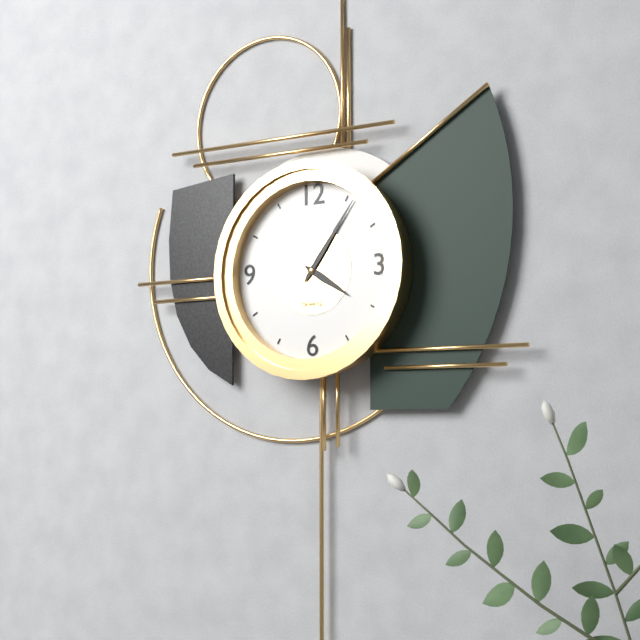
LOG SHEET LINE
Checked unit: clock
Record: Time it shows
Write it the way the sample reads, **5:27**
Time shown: **4:06**
